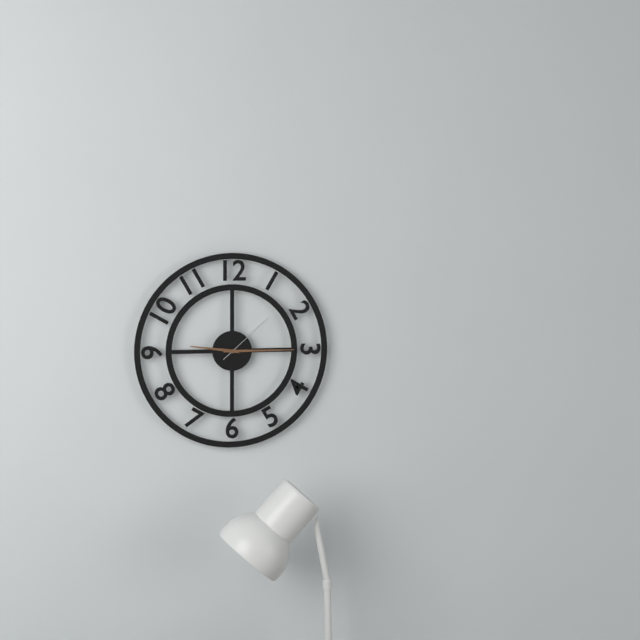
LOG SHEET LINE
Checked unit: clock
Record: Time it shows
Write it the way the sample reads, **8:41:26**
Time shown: **9:15:08**
